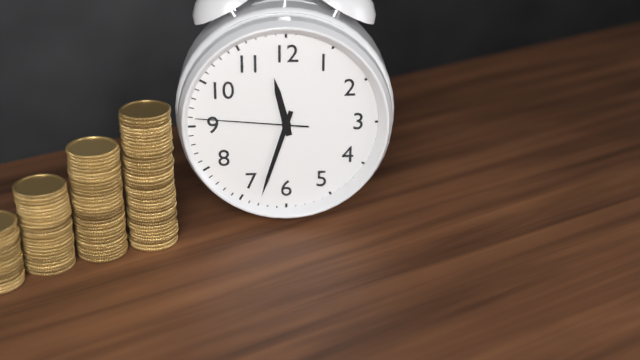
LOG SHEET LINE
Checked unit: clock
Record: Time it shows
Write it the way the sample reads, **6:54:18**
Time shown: **11:33:46**
